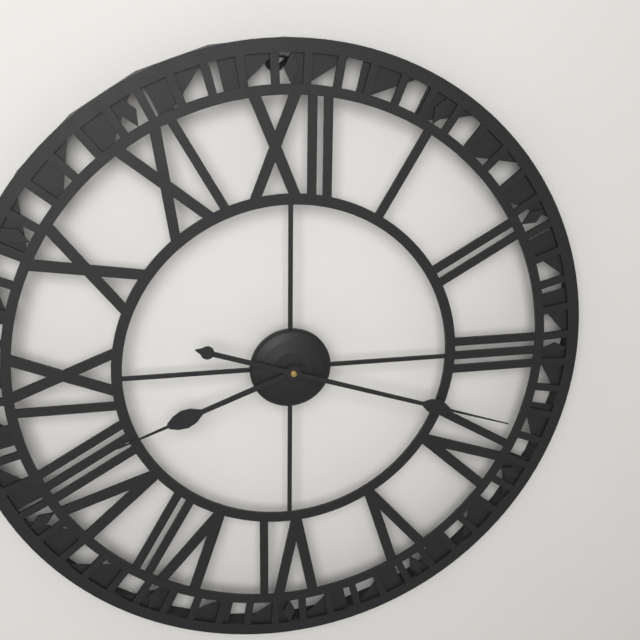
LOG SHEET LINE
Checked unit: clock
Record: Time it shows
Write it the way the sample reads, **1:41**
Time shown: **8:18**
